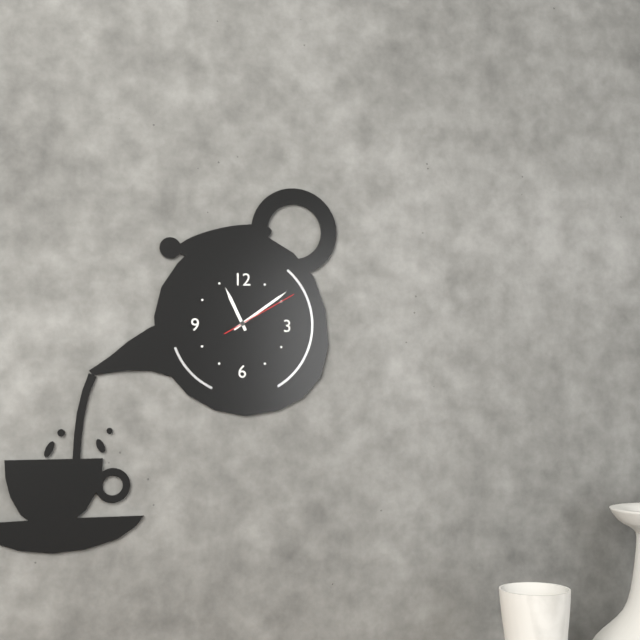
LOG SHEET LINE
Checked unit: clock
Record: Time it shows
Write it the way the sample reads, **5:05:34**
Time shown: **11:09:10**
